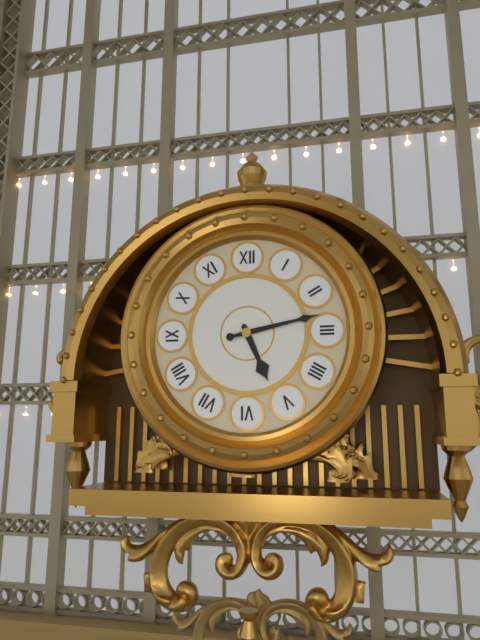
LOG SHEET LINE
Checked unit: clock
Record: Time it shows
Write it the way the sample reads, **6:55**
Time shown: **5:13**
